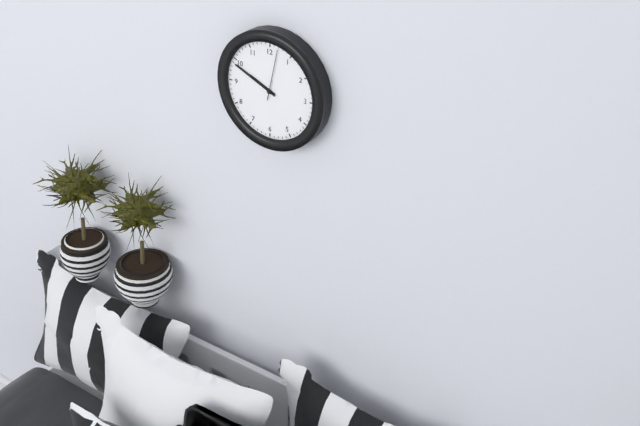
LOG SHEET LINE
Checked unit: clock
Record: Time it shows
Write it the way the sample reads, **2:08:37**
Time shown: **9:49:02**
